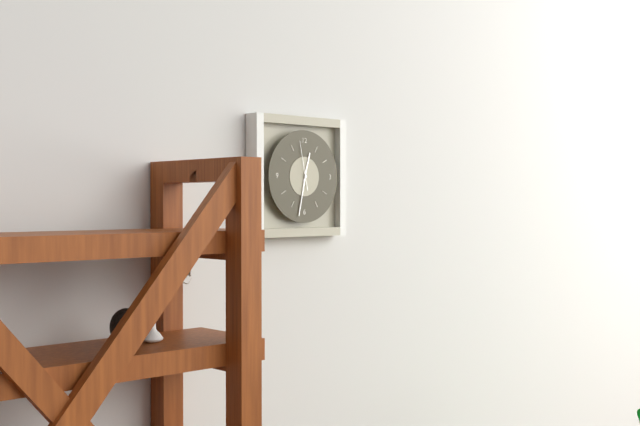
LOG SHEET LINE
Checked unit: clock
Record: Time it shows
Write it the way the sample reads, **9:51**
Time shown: **12:32**
